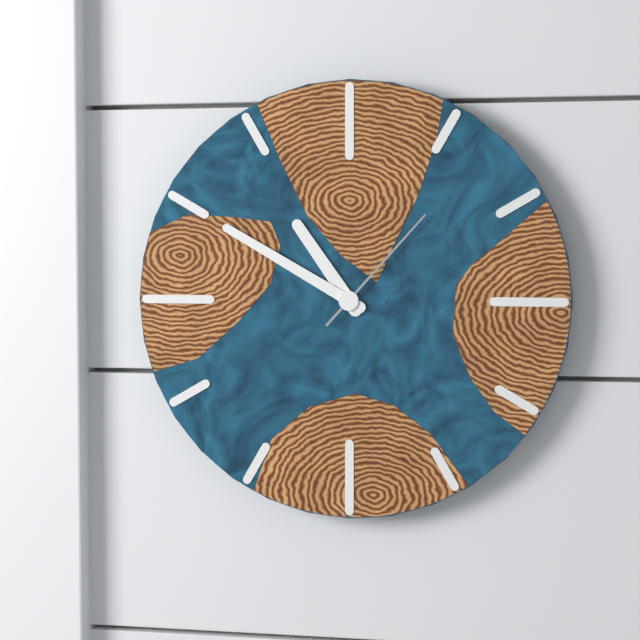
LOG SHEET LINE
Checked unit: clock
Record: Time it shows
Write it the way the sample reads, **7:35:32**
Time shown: **10:50:07**
